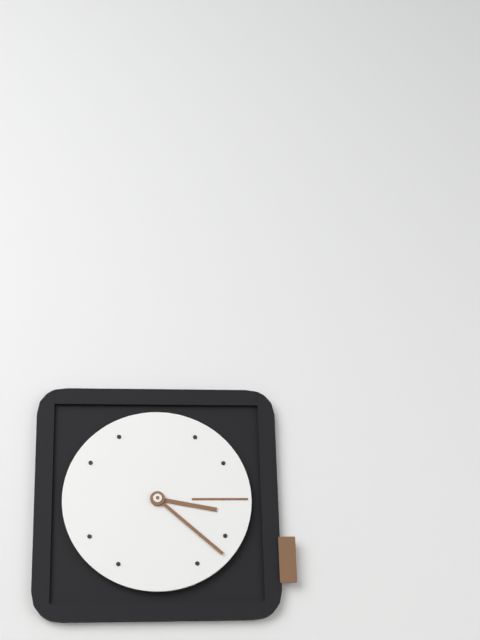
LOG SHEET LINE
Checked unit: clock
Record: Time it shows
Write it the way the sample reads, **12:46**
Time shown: **3:22**
